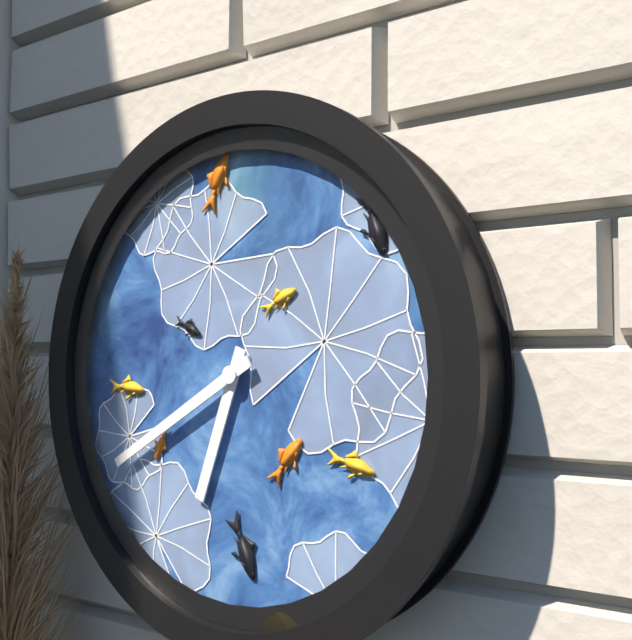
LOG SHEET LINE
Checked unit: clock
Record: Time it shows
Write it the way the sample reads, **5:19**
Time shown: **6:40**
